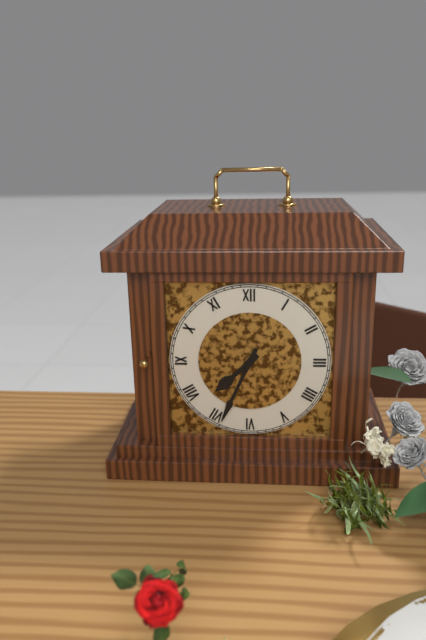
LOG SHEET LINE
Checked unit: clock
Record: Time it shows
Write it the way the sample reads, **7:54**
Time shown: **7:34**
